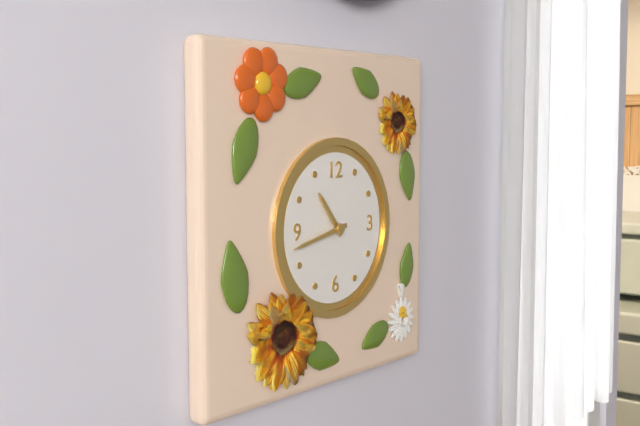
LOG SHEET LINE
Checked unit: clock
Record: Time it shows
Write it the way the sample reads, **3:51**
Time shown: **10:43**
